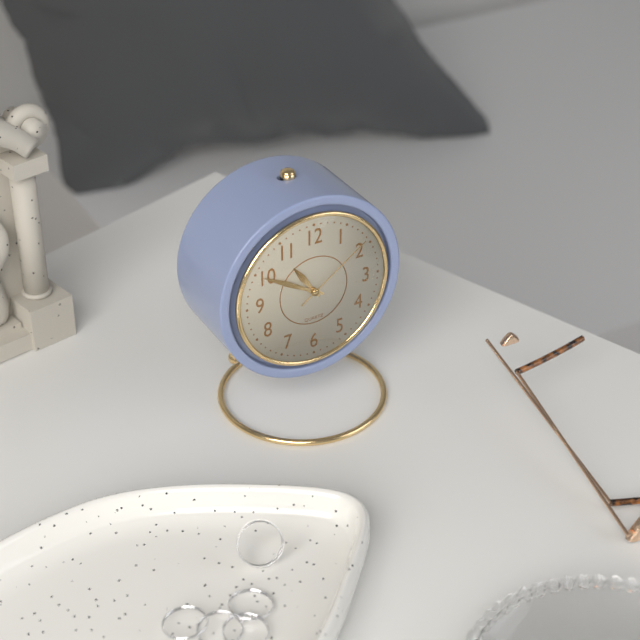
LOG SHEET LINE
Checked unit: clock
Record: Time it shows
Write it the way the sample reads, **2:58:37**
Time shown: **10:50:09**
